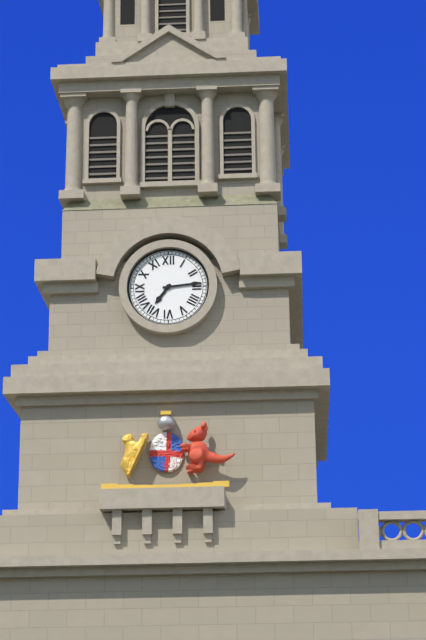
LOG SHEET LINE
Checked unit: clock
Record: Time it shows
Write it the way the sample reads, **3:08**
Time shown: **7:14**
